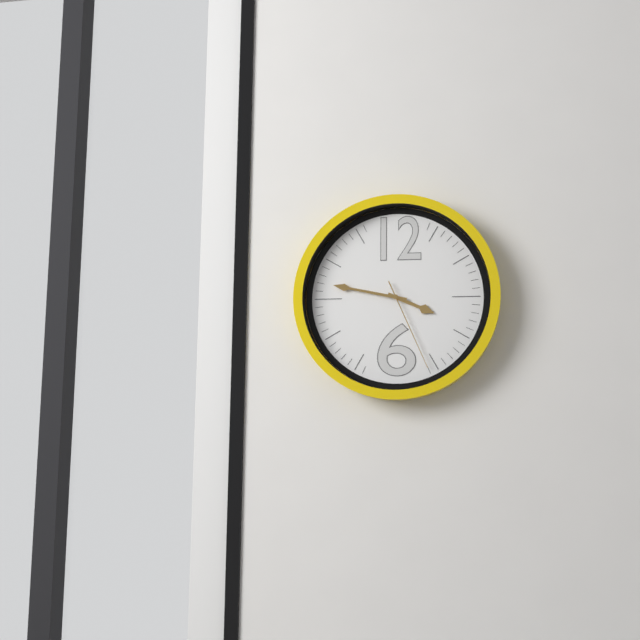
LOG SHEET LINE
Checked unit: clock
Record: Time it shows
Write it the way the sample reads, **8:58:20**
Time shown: **3:47:26**
